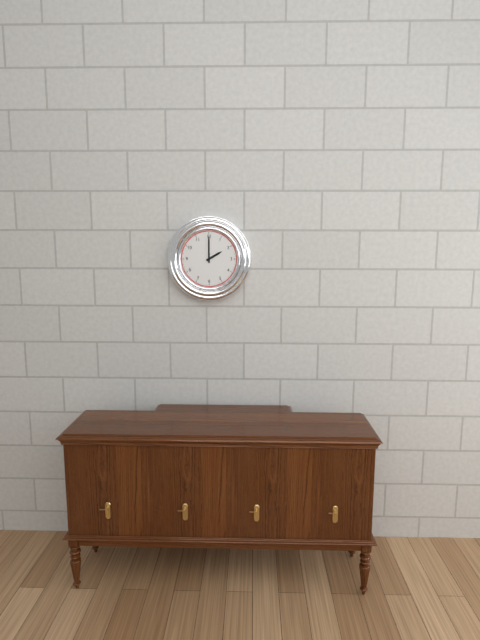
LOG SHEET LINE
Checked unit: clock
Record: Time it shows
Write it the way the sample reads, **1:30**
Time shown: **2:00**
